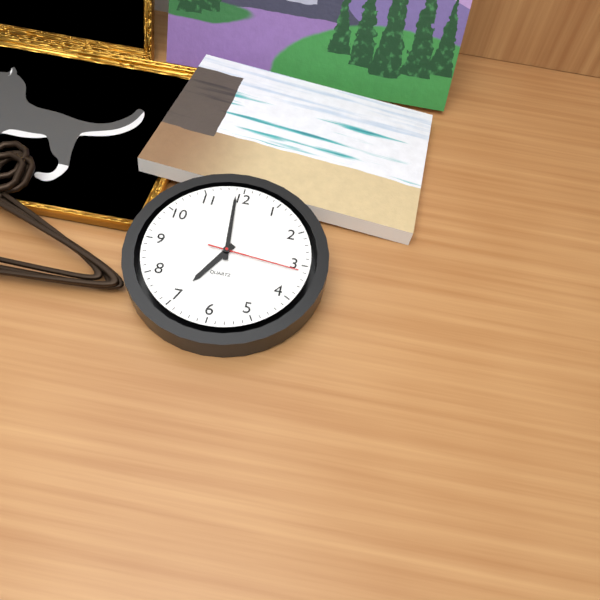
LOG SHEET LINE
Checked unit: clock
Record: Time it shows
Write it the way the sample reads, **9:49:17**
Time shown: **6:59:16**
